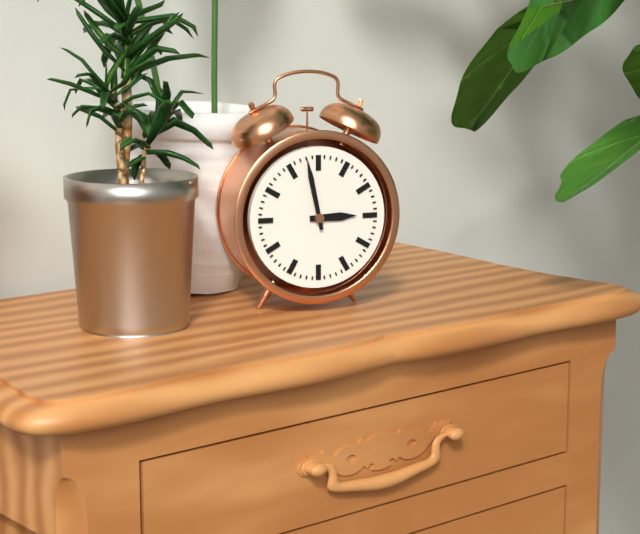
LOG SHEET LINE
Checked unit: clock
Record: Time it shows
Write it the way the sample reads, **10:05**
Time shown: **2:58**
